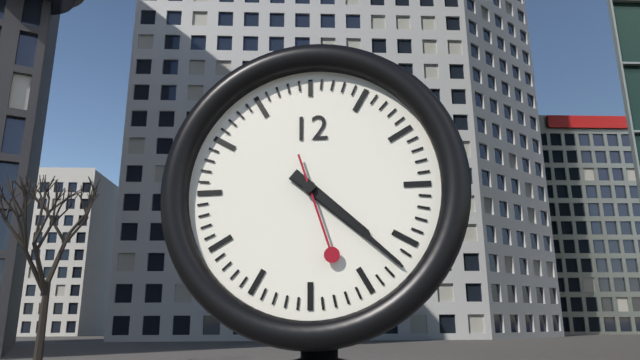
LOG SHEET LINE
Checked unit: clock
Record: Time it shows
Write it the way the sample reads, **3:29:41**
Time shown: **4:22:27**
